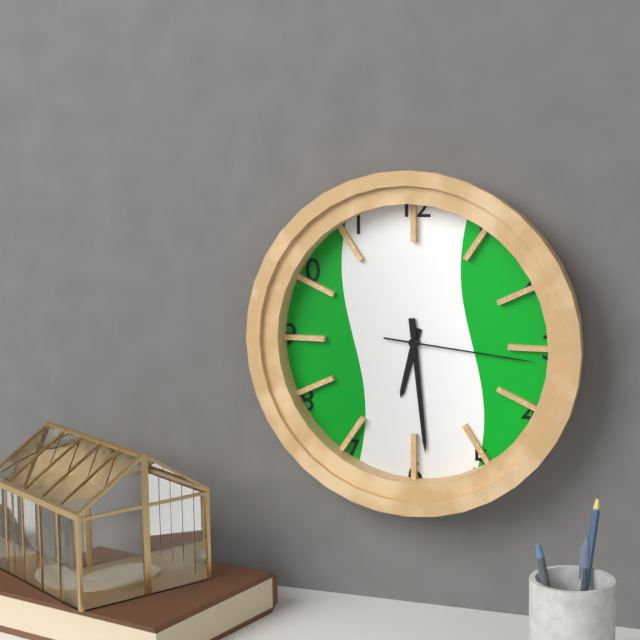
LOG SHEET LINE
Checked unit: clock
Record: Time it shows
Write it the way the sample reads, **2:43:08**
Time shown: **6:29:16**
